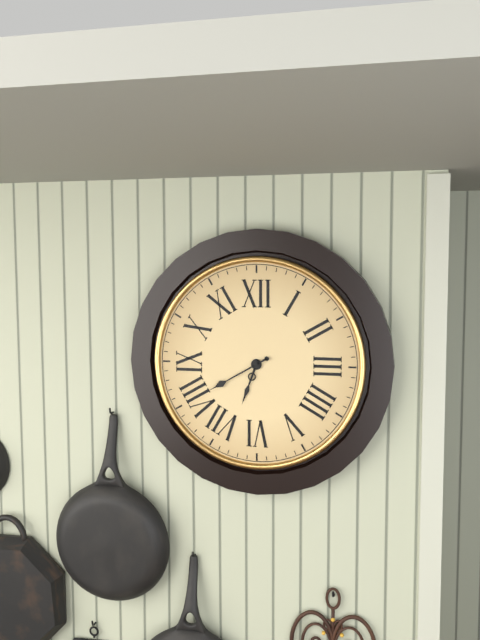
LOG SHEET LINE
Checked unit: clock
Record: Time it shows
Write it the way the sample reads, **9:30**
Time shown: **6:40**
